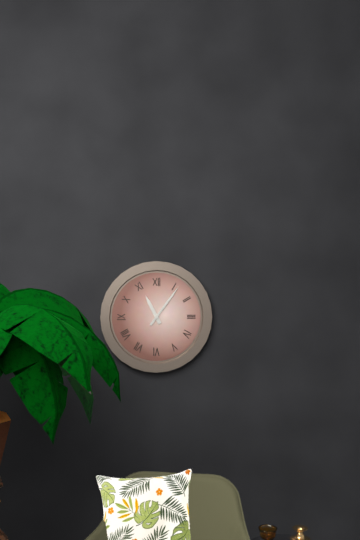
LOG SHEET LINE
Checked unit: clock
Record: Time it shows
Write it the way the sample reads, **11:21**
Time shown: **11:06**
